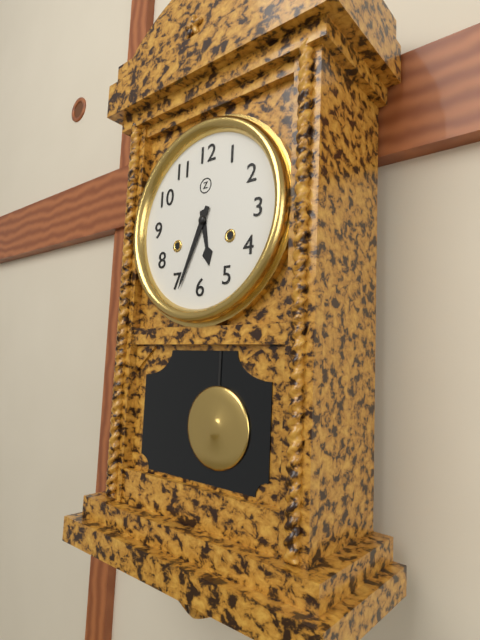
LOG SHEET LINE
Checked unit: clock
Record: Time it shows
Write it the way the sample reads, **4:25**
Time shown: **5:34**
